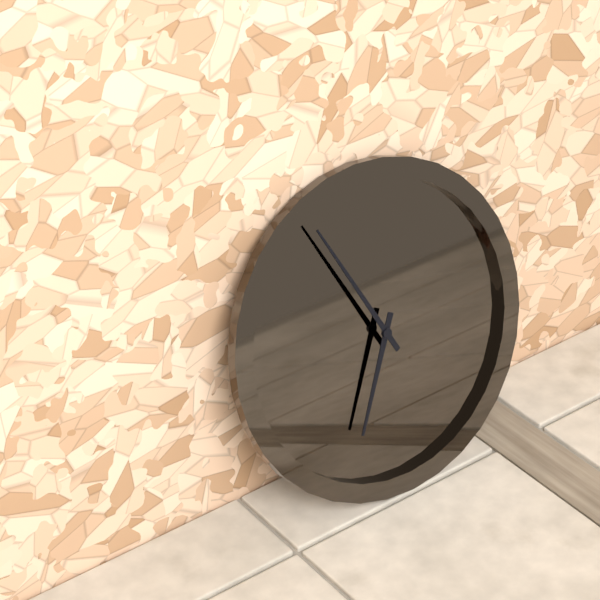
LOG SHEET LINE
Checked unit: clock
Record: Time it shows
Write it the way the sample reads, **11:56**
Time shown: **6:56**
